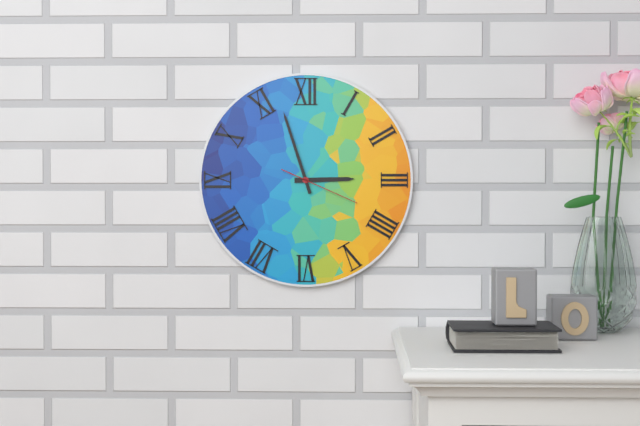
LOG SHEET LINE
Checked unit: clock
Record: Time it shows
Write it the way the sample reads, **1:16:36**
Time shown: **2:57:19**
